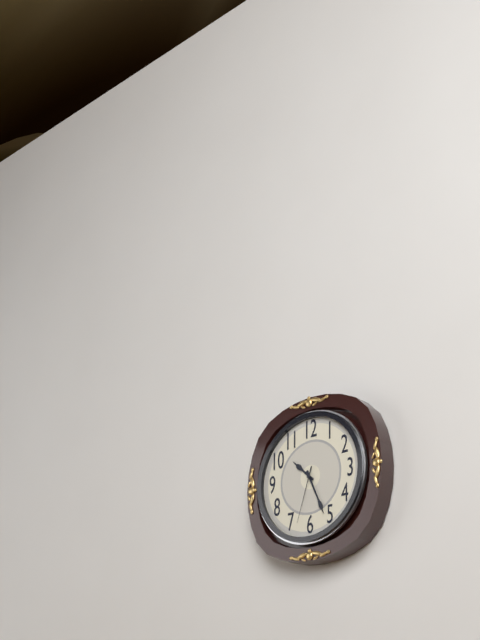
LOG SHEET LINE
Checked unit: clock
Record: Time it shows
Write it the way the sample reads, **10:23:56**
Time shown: **10:26:33**
